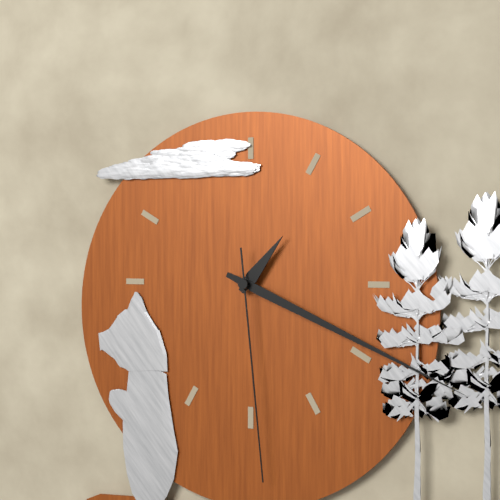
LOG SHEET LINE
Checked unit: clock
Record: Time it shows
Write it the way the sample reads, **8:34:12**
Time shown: **1:19:29**
